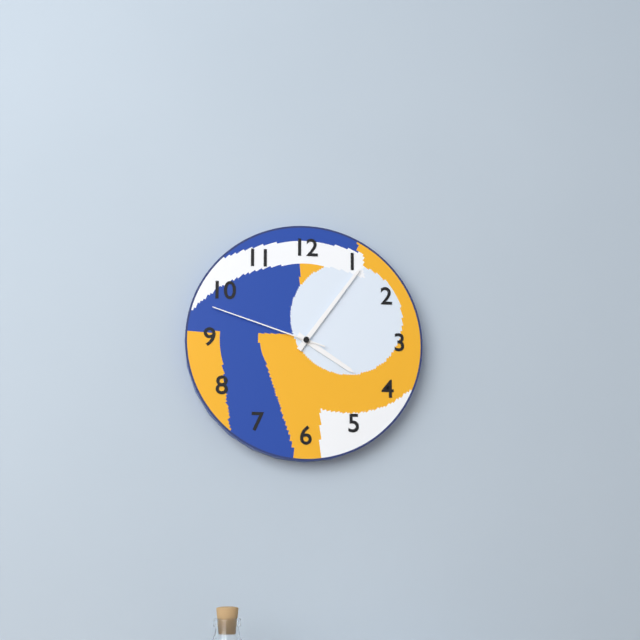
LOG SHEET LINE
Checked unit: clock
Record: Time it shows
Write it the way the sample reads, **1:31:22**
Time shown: **4:06:48**
